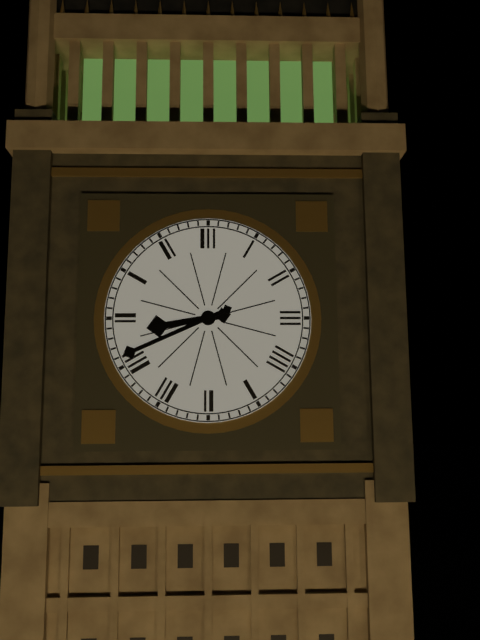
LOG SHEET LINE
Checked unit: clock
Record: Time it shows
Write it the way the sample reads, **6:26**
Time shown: **8:41**
